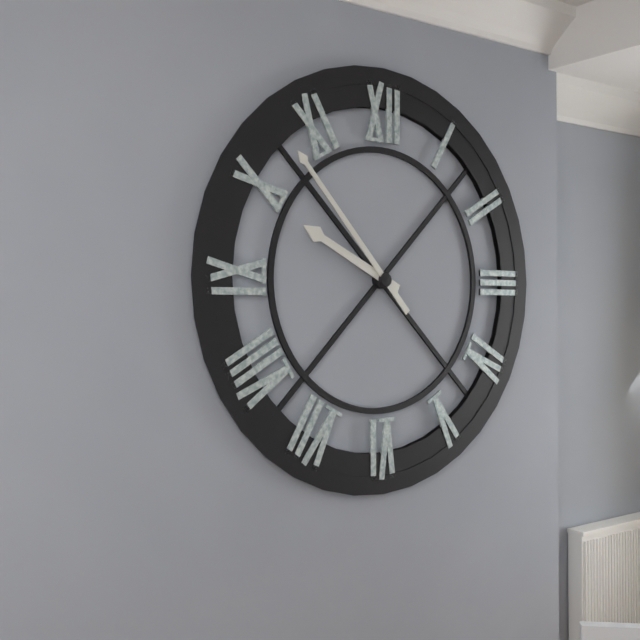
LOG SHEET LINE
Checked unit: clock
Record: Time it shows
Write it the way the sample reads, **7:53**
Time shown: **9:53**
